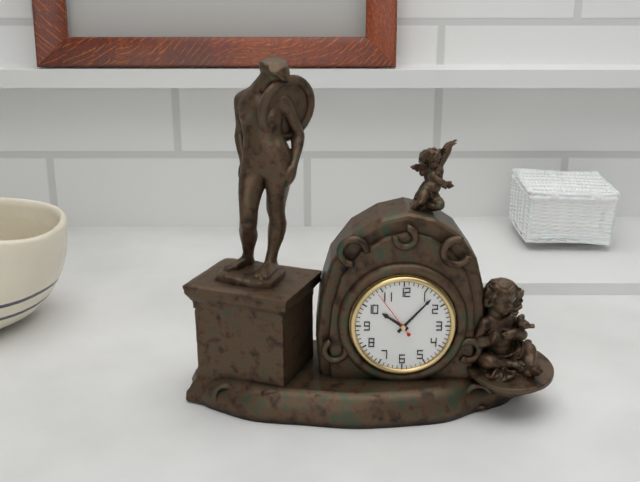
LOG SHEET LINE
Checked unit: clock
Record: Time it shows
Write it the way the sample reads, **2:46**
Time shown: **10:07**
